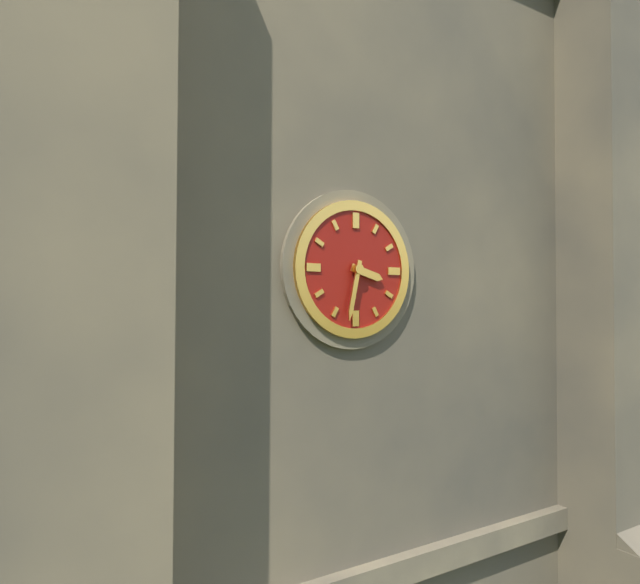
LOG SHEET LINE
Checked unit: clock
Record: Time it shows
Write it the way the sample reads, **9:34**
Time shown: **3:32**
